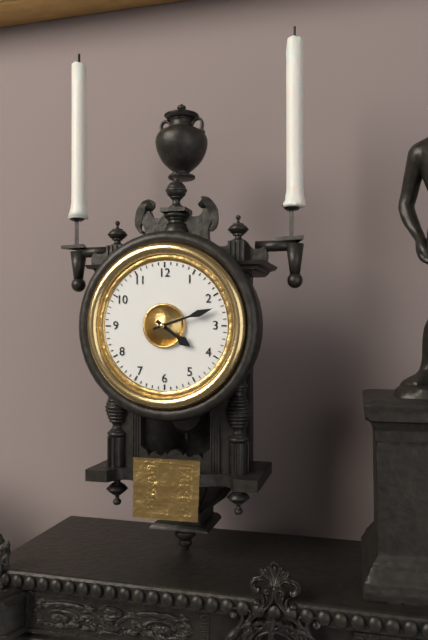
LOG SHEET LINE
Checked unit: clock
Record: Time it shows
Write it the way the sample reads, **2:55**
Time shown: **4:12**
